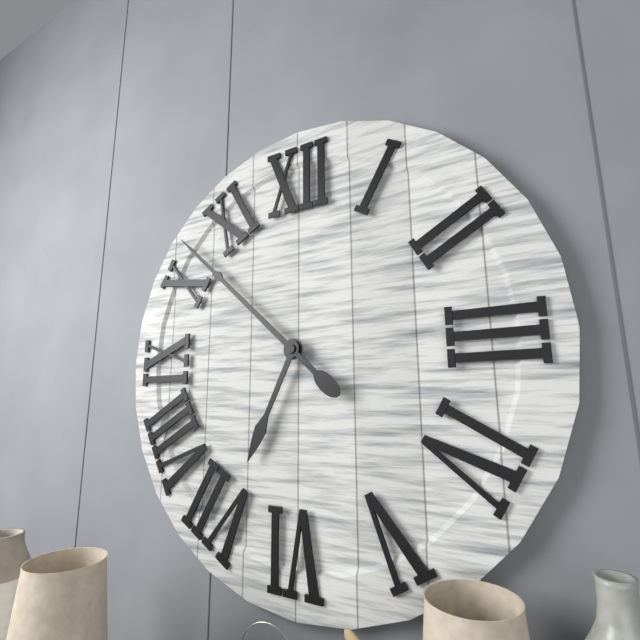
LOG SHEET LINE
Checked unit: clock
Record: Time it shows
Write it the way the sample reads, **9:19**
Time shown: **6:52**
